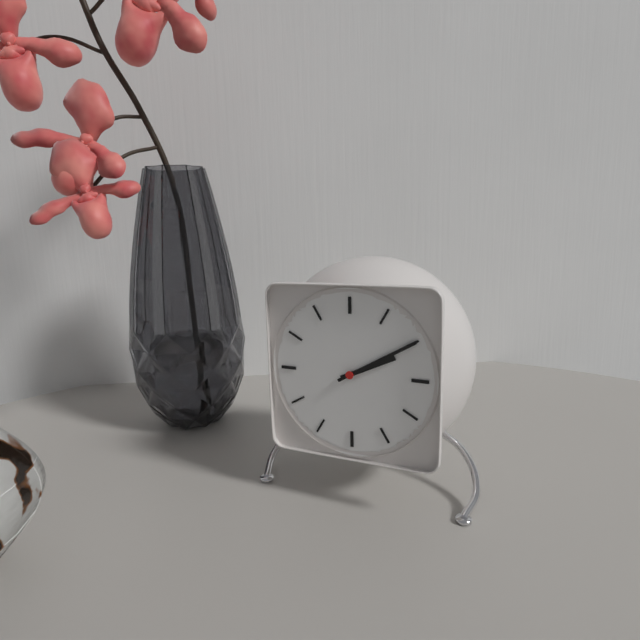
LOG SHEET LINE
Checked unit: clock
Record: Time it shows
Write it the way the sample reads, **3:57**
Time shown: **2:10**
